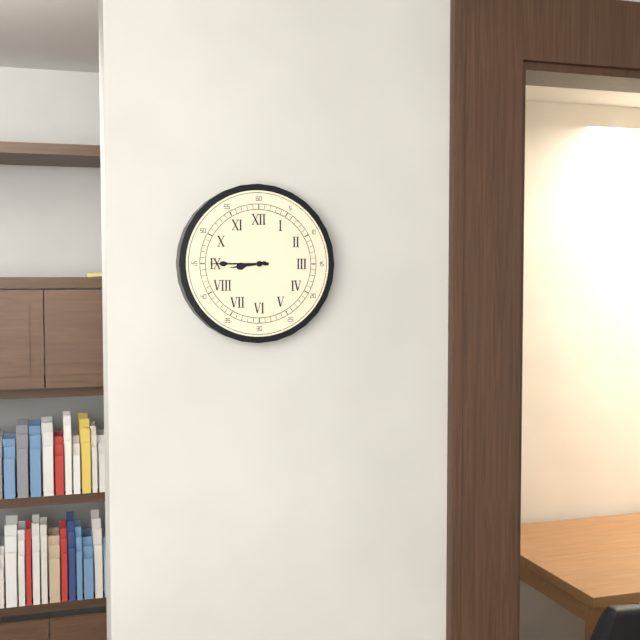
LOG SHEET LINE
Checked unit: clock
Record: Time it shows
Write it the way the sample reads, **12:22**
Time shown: **8:45**
